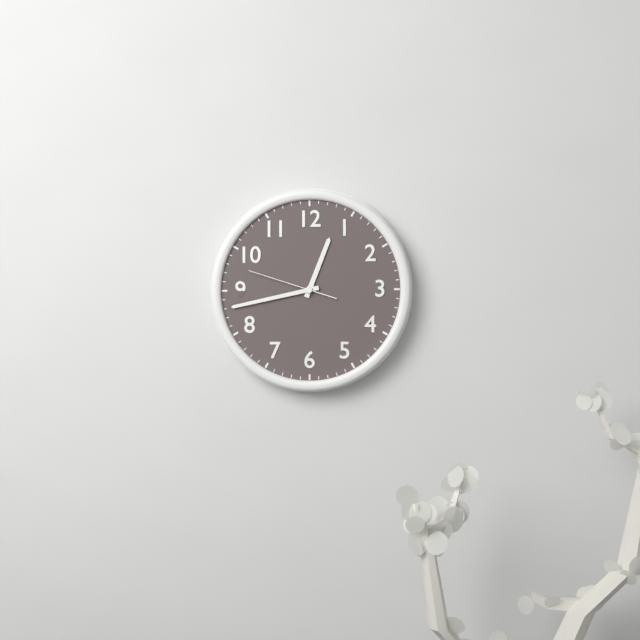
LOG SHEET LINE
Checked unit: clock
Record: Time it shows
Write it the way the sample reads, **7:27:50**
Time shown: **12:43:48**
